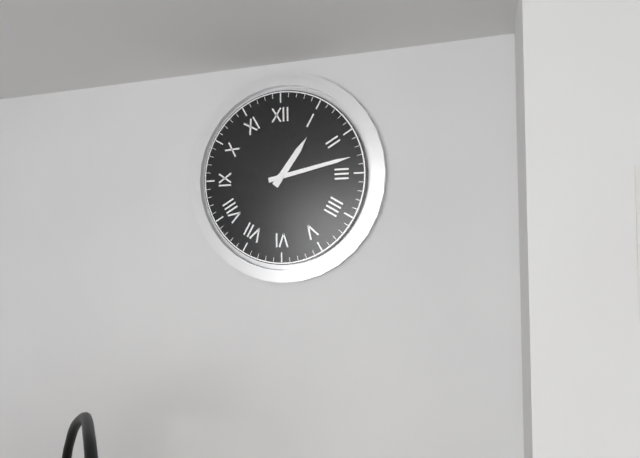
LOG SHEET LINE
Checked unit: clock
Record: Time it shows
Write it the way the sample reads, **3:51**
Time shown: **1:13**
